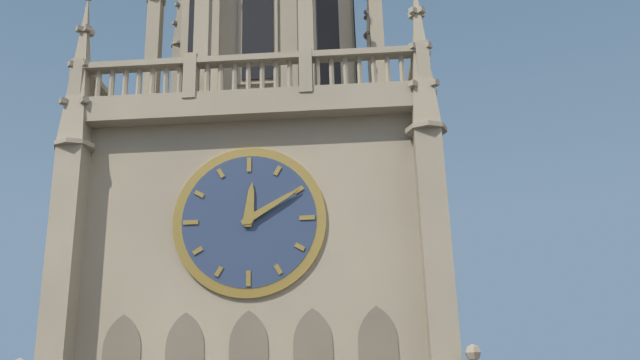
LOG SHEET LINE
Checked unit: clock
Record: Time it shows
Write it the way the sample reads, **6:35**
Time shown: **12:10**
